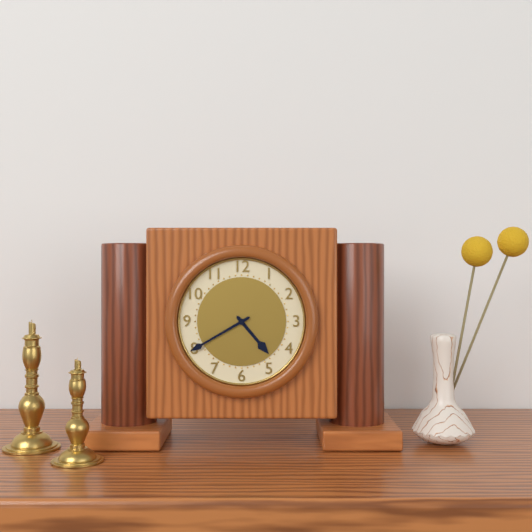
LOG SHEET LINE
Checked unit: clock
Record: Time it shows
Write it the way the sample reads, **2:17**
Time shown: **4:40**
